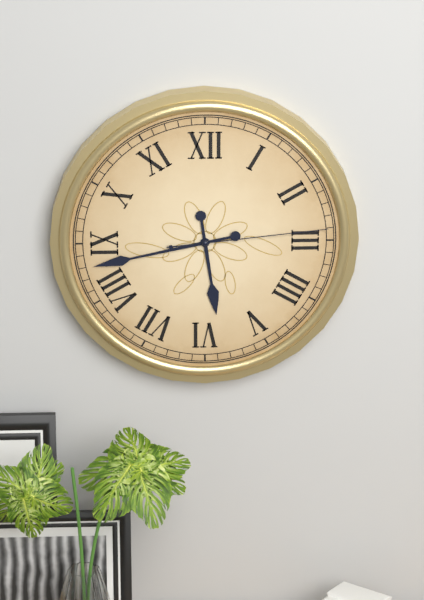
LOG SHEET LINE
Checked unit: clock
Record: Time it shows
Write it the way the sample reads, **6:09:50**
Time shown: **5:43:14**
